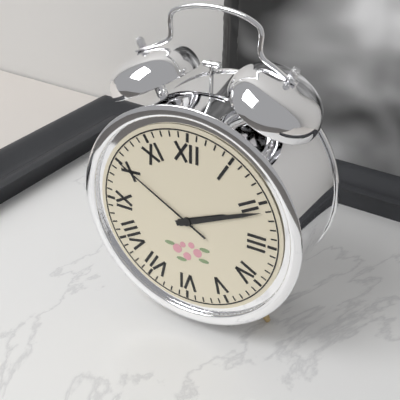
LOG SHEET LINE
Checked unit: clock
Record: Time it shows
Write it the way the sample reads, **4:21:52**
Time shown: **2:11:50**
